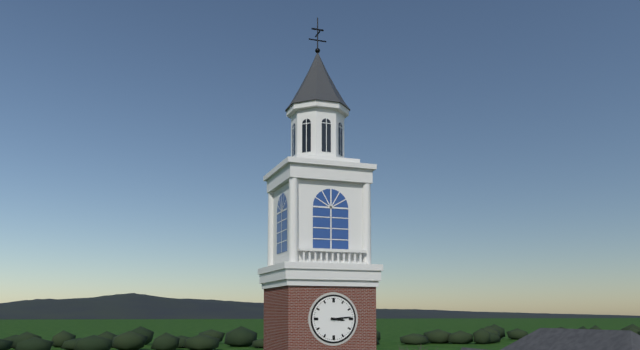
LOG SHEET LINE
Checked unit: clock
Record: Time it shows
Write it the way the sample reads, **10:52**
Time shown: **3:14**
